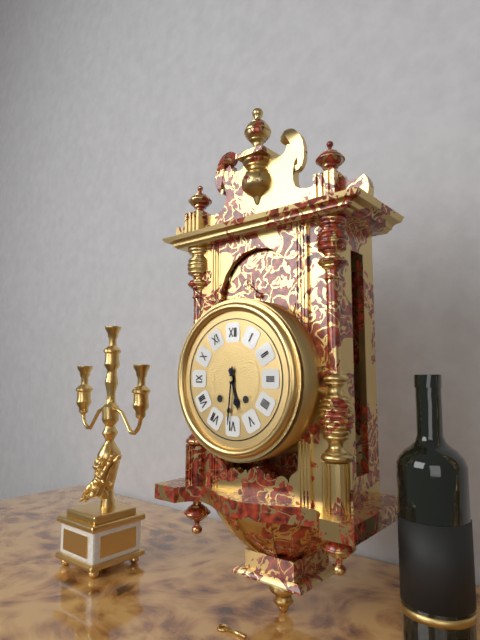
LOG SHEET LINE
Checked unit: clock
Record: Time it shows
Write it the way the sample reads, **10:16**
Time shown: **5:31**
